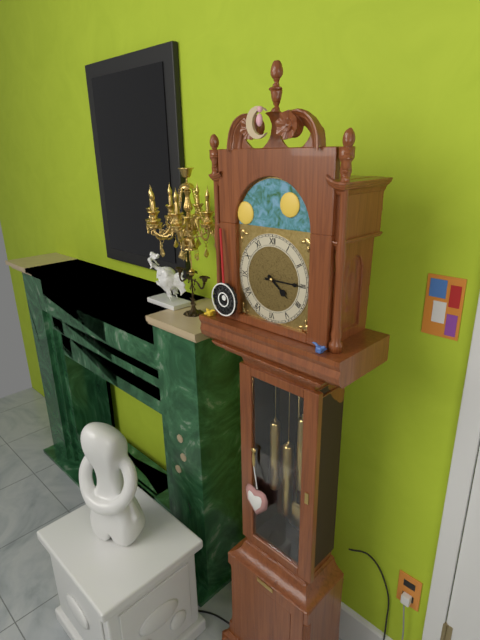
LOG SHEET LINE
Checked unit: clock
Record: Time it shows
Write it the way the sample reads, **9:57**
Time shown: **4:15**
